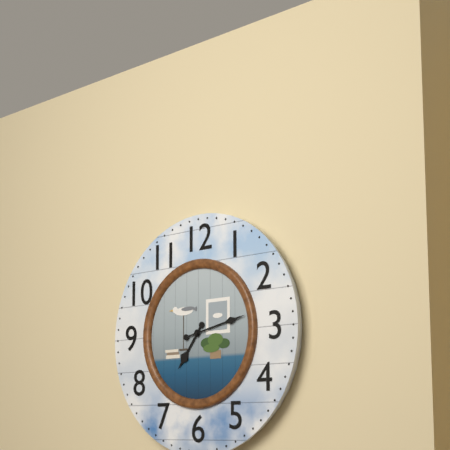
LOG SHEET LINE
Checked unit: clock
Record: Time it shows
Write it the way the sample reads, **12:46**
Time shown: **7:13**
